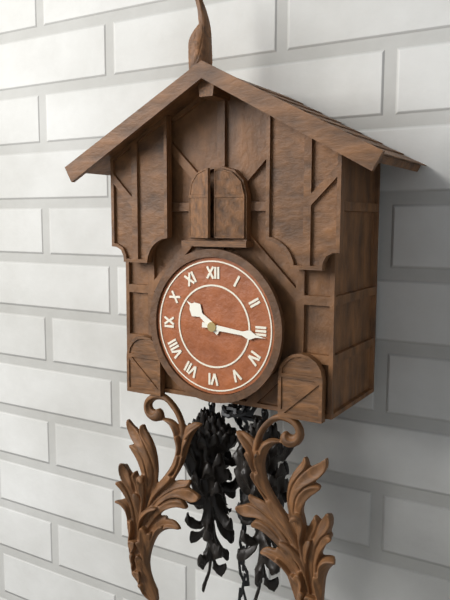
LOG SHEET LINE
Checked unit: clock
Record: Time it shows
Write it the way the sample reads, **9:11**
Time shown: **10:16**
